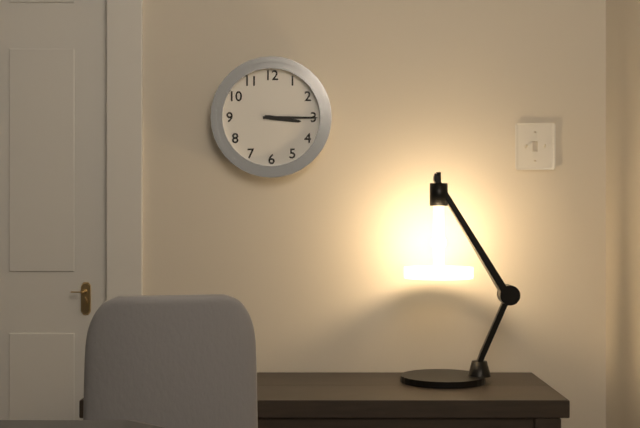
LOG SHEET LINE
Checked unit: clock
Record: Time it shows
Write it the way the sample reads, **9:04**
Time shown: **3:15**
